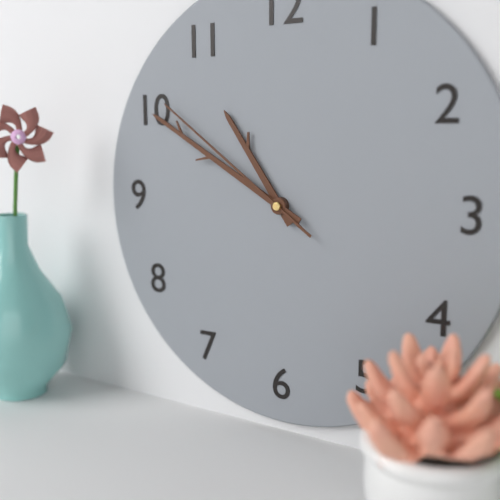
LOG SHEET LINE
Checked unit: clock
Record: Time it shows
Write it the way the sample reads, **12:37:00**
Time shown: **10:50:51**
